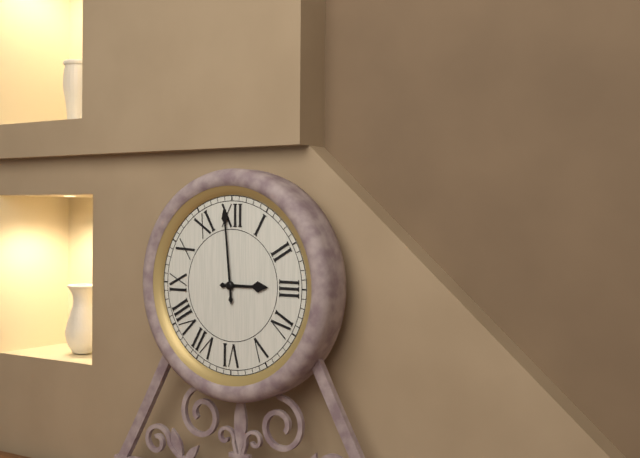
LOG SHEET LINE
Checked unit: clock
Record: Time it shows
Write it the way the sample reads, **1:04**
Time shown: **2:59**
